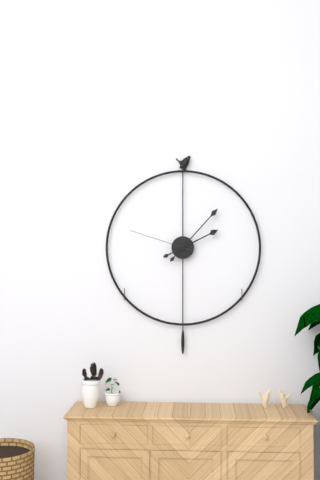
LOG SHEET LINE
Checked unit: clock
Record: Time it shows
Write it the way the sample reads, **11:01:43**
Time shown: **2:07:48**
